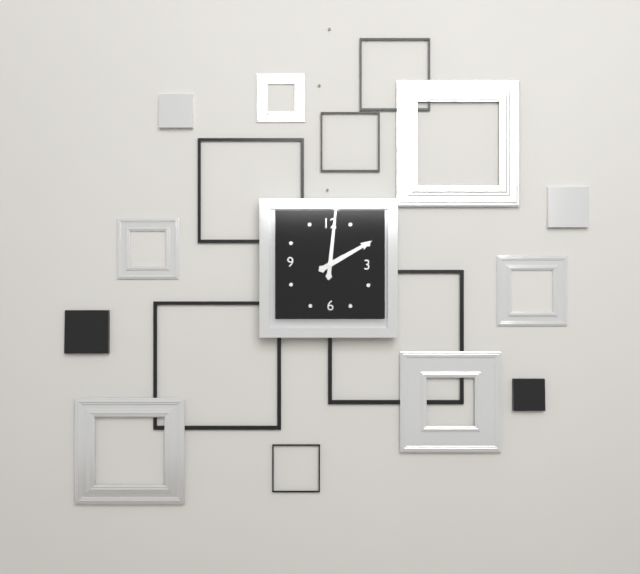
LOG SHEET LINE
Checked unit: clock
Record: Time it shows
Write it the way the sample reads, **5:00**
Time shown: **2:01**
